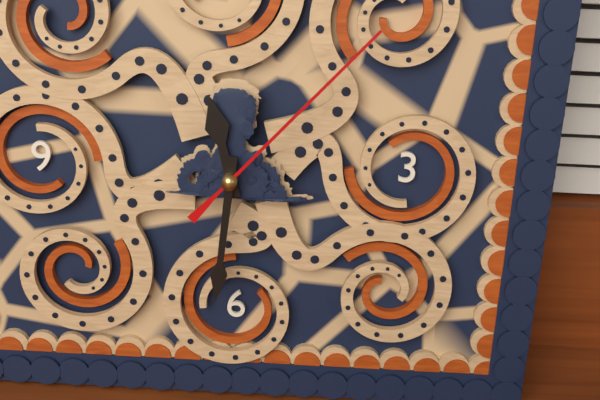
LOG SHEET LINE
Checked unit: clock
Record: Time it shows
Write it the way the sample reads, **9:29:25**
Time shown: **11:31:07**
